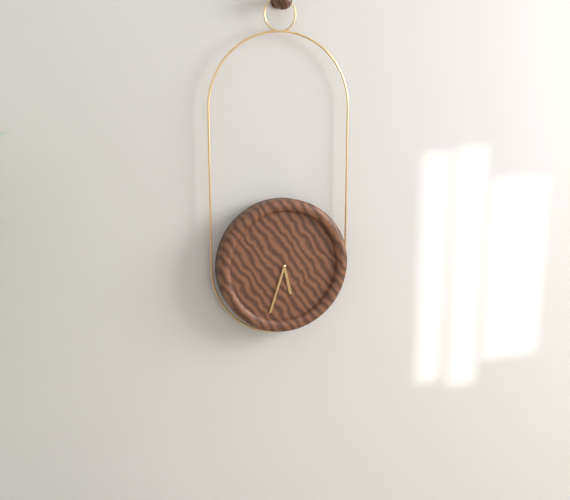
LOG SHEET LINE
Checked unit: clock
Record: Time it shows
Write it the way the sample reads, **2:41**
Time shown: **5:33**
